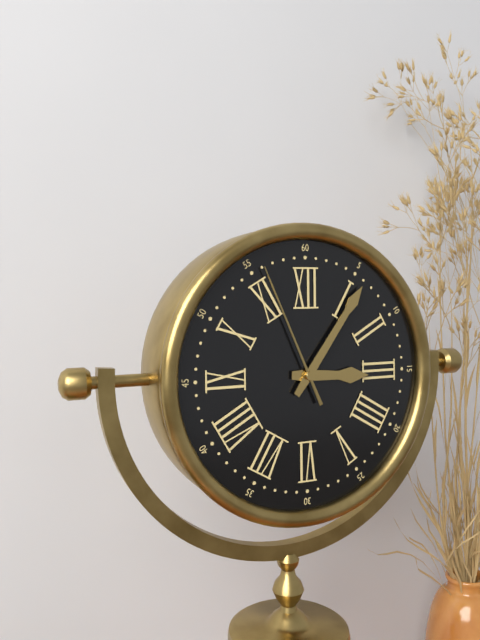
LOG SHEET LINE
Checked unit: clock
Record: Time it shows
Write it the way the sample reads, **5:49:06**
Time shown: **3:06:56**
